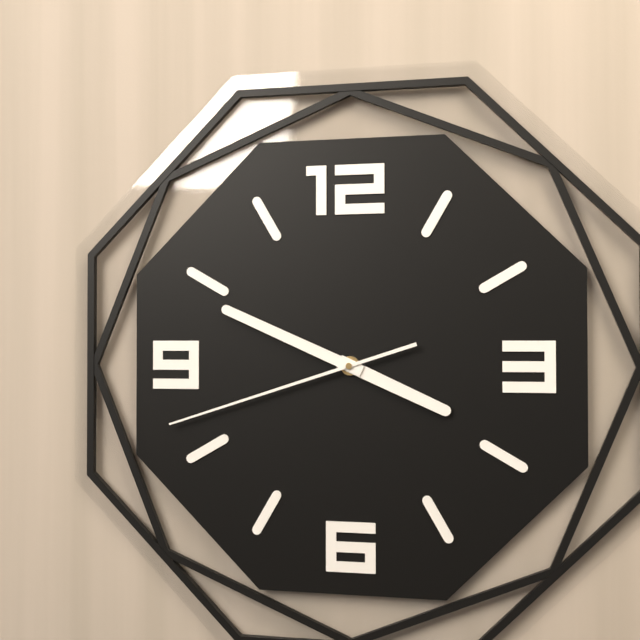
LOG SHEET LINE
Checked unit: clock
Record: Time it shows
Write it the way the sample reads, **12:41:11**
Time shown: **3:49:42**
